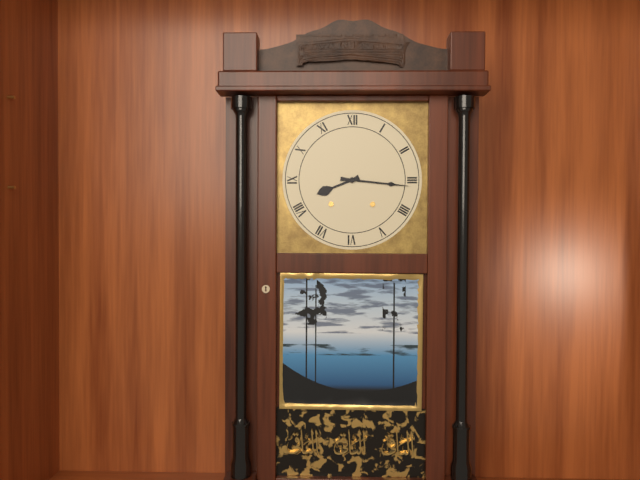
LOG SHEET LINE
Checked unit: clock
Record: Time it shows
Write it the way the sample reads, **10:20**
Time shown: **8:16**
